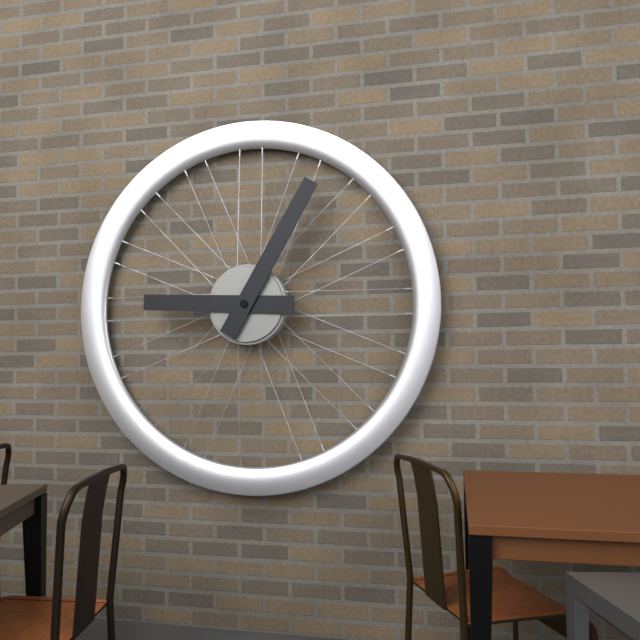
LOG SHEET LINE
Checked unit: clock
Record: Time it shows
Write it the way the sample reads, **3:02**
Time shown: **9:05**
